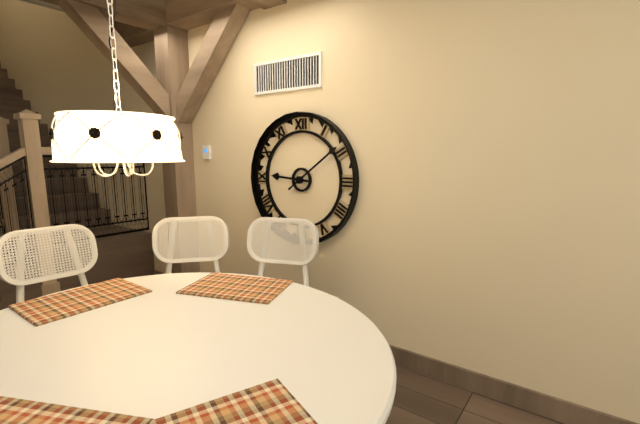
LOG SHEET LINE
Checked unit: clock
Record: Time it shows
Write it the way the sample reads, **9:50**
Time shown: **9:09**
